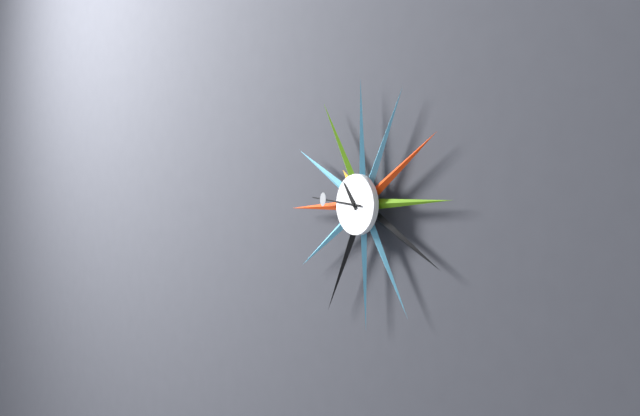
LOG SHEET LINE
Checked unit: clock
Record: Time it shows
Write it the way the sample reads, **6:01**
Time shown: **10:46**
